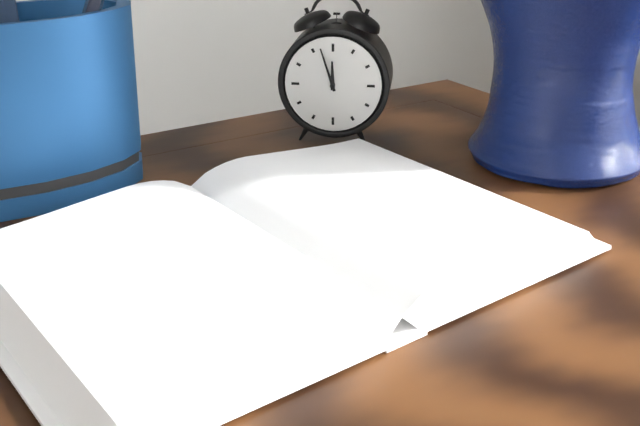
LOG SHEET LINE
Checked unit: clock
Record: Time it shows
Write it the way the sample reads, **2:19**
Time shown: **11:57**
